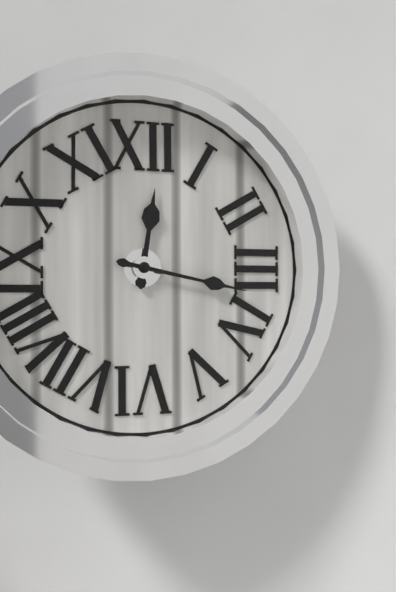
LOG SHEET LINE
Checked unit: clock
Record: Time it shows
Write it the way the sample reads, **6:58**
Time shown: **12:17**
